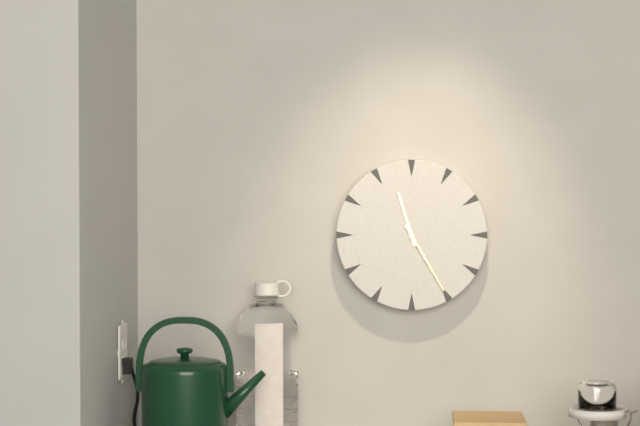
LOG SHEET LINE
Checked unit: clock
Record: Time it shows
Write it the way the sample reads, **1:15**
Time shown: **11:25**
